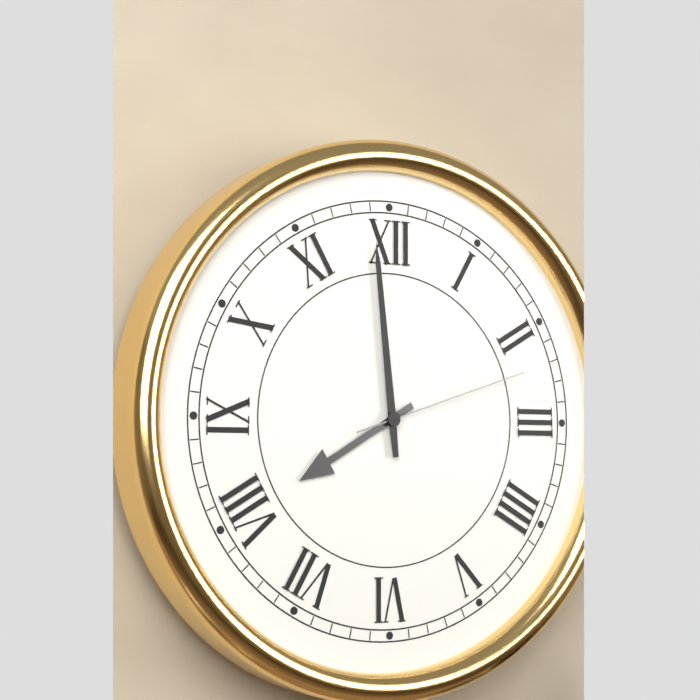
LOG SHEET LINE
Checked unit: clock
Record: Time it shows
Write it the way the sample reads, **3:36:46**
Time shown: **7:59:12**
